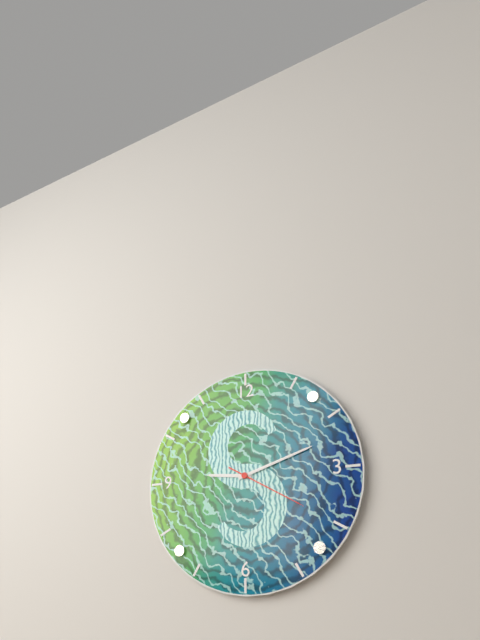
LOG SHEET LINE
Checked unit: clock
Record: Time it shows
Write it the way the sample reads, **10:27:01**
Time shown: **9:12:20**
